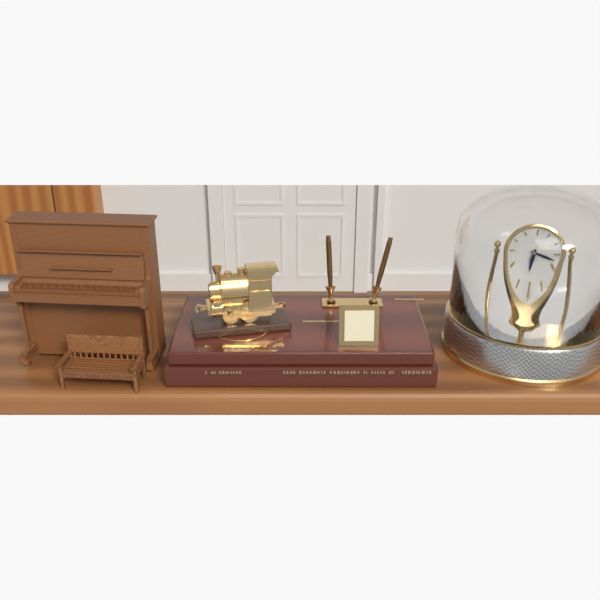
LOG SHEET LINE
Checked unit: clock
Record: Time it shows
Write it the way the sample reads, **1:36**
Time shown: **6:18**
